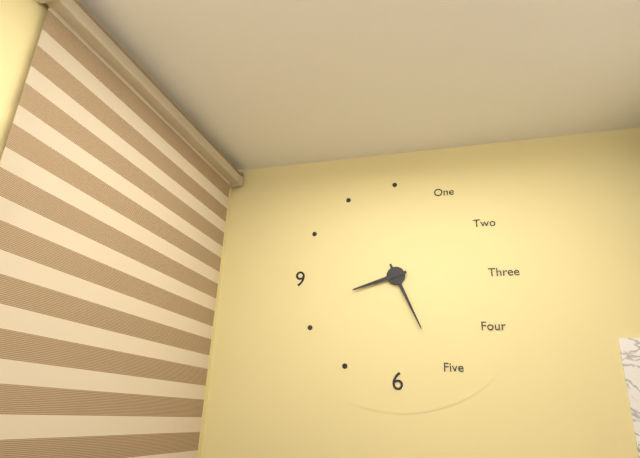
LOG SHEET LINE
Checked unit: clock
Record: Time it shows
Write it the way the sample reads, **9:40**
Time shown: **8:26**
